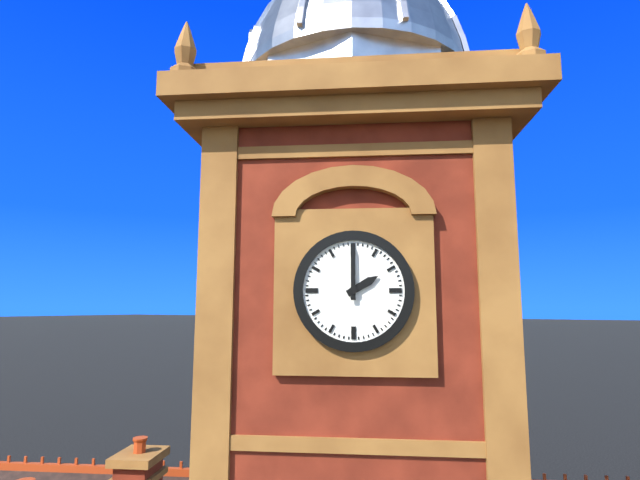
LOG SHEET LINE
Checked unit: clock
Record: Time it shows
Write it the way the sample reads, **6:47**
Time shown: **2:00**
